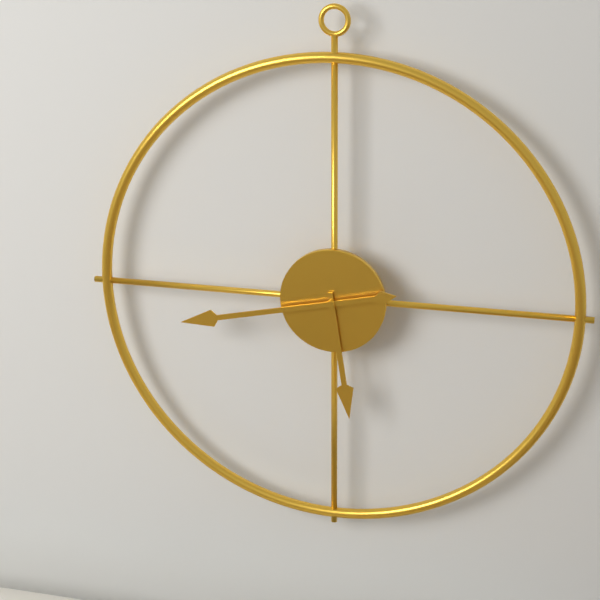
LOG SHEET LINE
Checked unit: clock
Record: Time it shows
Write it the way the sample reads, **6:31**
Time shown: **5:43**
